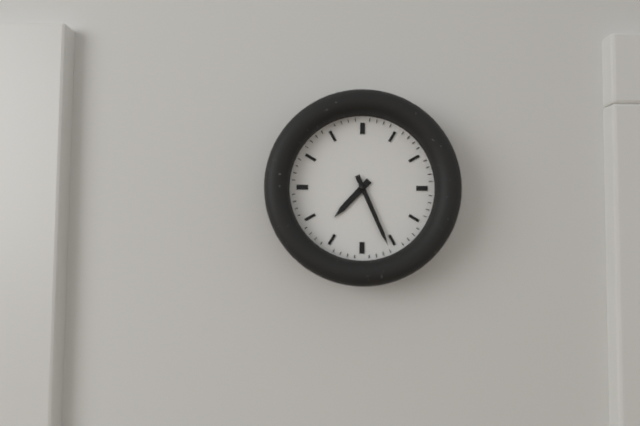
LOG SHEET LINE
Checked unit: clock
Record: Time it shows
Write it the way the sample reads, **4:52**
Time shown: **7:26**
